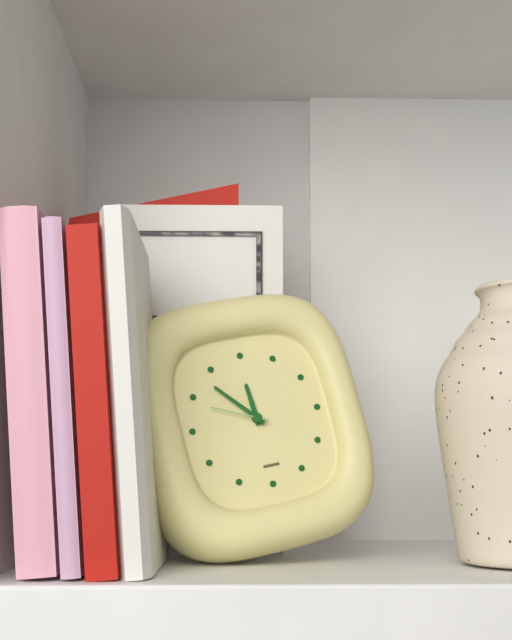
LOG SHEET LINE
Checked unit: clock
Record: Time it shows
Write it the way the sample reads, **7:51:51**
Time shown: **11:53:49**
